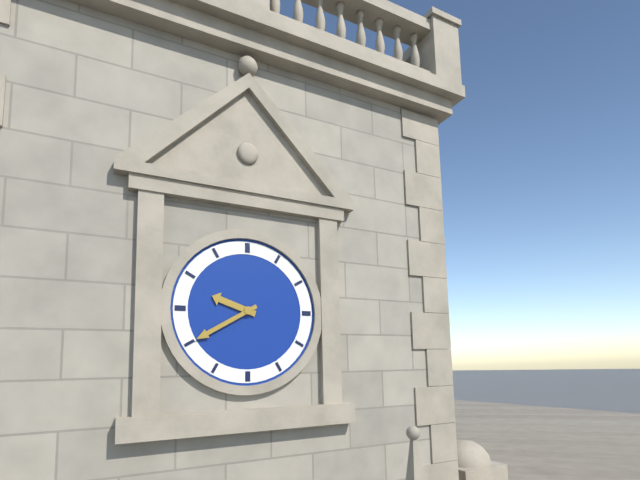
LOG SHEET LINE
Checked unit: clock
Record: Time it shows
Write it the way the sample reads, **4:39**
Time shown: **9:40**
